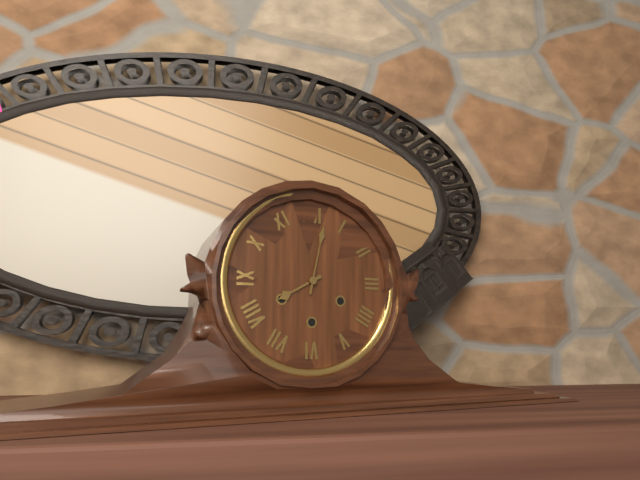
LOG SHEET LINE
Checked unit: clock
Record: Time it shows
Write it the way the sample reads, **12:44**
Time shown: **8:02**
